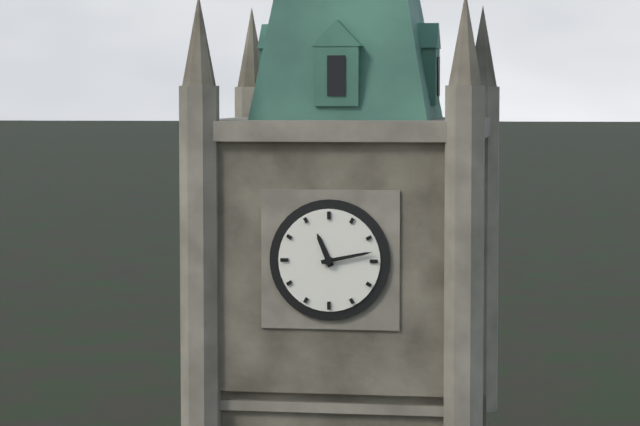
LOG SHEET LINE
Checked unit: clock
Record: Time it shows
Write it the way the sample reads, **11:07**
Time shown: **11:13**
